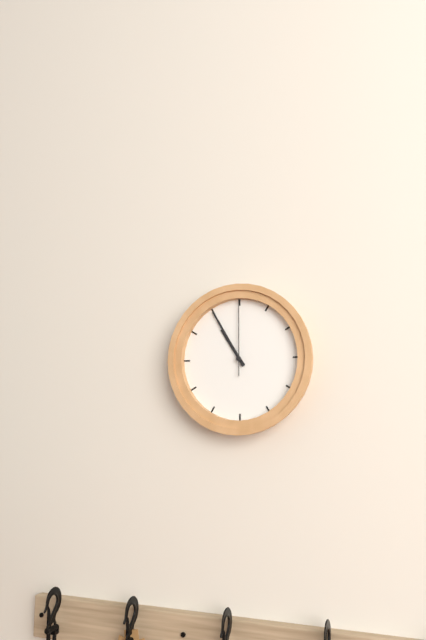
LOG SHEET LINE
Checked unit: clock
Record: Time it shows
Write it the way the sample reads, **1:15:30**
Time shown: **10:55:00**
